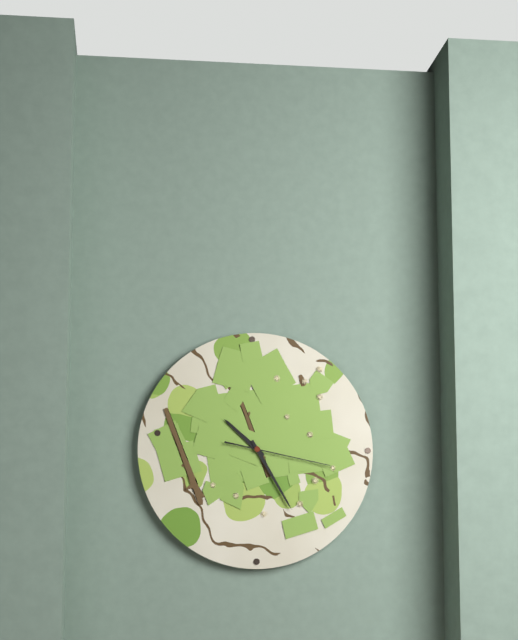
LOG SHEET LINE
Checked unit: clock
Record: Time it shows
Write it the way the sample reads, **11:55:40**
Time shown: **10:25:17**
